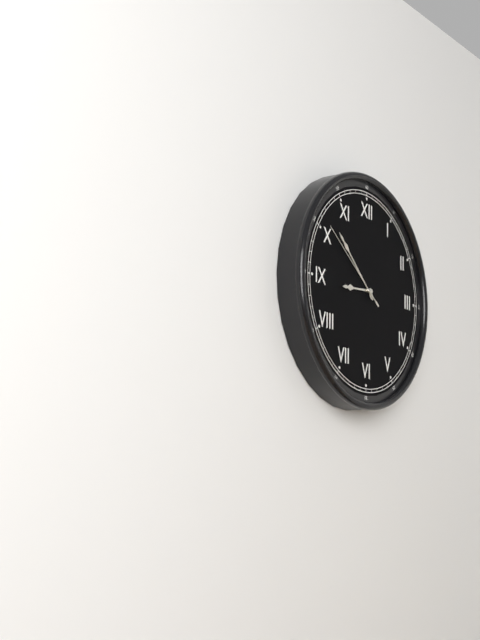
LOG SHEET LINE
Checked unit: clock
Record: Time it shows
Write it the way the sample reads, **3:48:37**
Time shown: **8:52:51**
